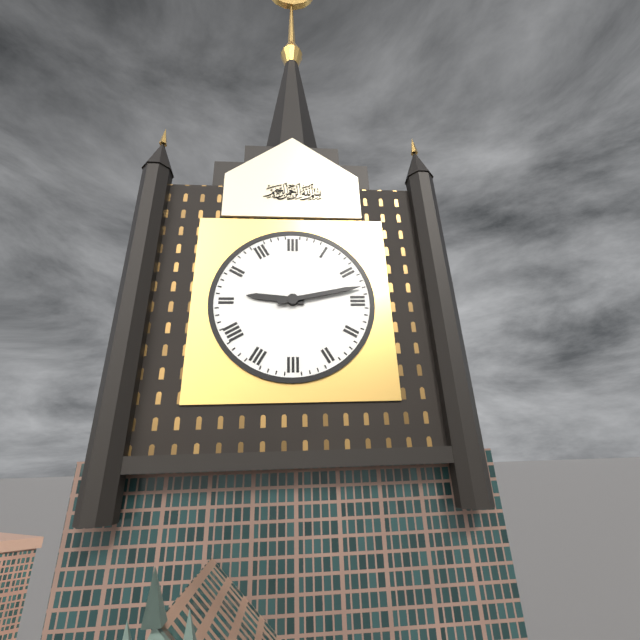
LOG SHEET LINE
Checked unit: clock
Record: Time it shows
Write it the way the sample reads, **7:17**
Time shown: **9:13**
